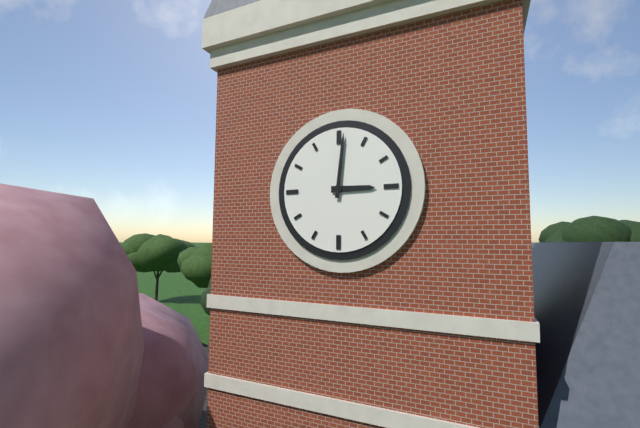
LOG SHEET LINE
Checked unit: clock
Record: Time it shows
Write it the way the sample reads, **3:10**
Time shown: **3:01**
